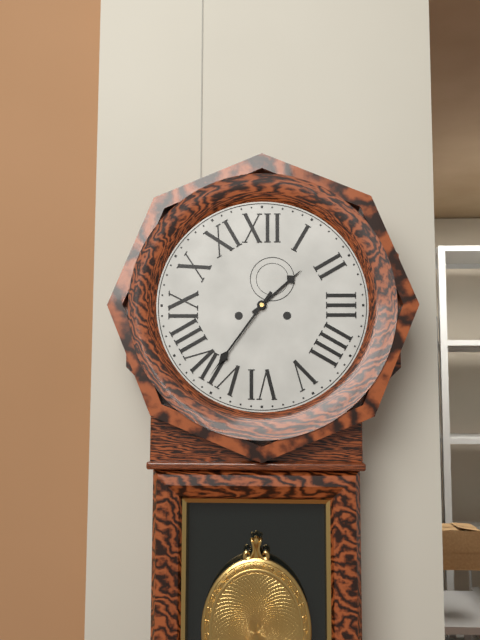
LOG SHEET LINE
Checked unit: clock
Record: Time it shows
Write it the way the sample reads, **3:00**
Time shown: **1:36**
